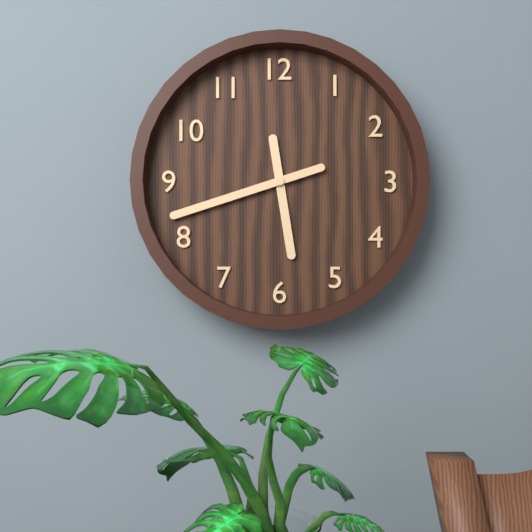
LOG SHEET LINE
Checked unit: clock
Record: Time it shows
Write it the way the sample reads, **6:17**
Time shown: **5:42**
